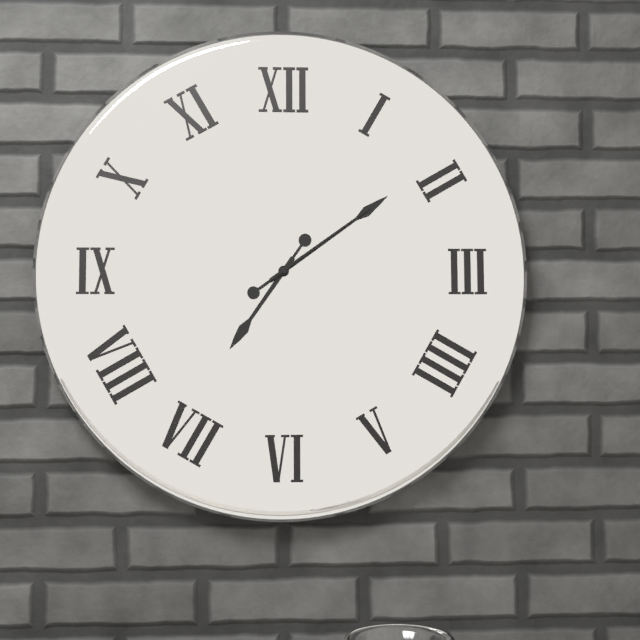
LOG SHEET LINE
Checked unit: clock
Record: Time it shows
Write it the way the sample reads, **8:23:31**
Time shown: **7:09:09**
